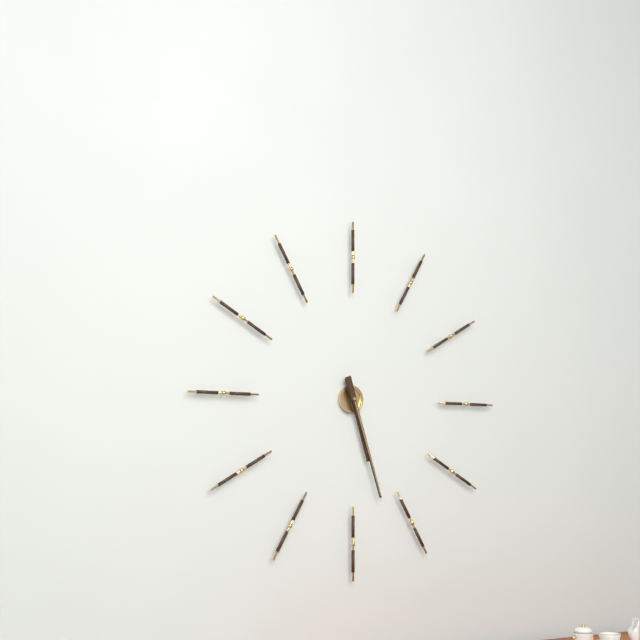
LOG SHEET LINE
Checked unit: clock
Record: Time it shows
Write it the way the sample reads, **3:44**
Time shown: **5:27**
